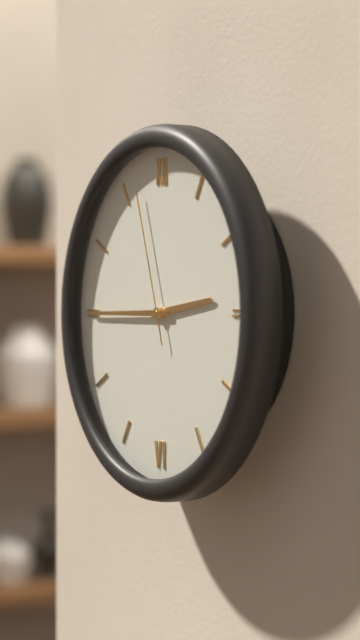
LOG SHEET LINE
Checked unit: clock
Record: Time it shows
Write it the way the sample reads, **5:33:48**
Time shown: **2:45:57**
